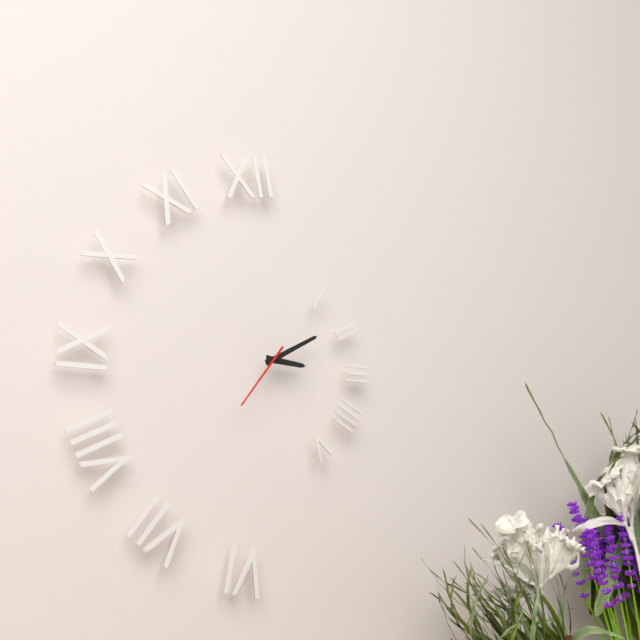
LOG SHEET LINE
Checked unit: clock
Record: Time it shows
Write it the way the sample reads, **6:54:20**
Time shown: **3:10:36**
